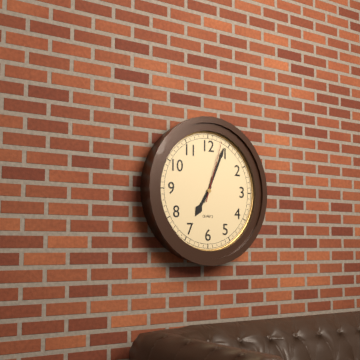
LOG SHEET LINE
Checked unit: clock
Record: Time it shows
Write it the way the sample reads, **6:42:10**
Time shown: **7:04:03**
